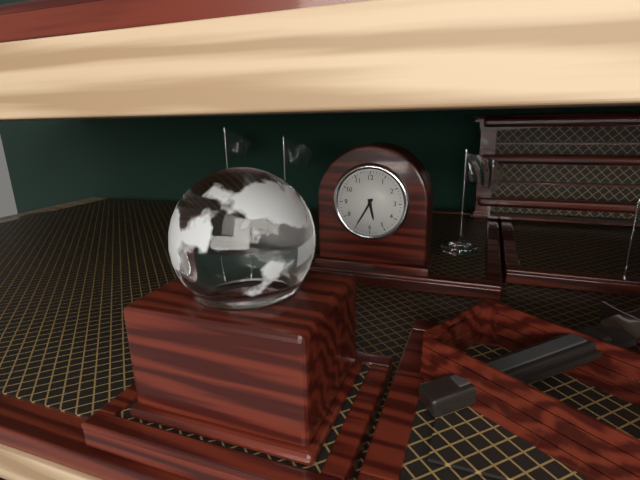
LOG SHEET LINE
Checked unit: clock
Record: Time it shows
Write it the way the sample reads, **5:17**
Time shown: **5:35**
